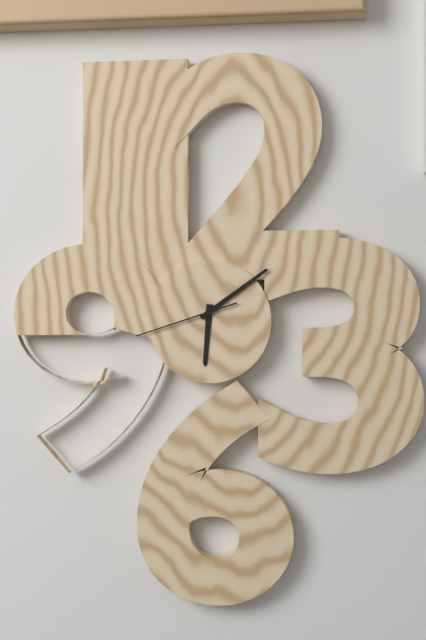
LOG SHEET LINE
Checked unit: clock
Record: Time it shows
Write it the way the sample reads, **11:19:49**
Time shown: **6:09:42**
